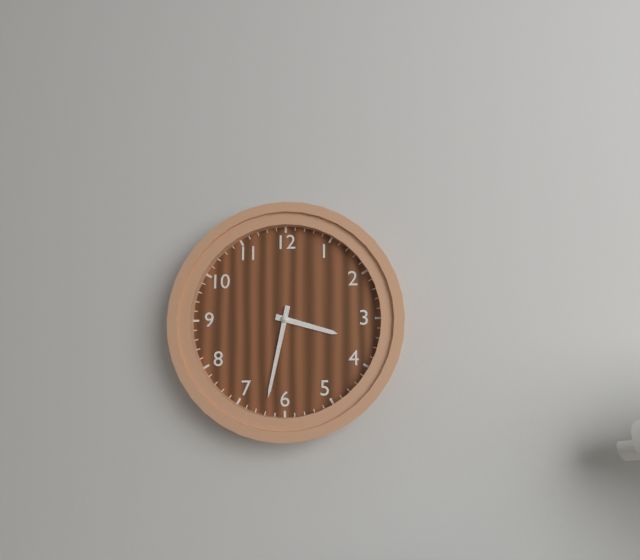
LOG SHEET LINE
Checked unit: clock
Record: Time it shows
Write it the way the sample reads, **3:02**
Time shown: **3:32**
